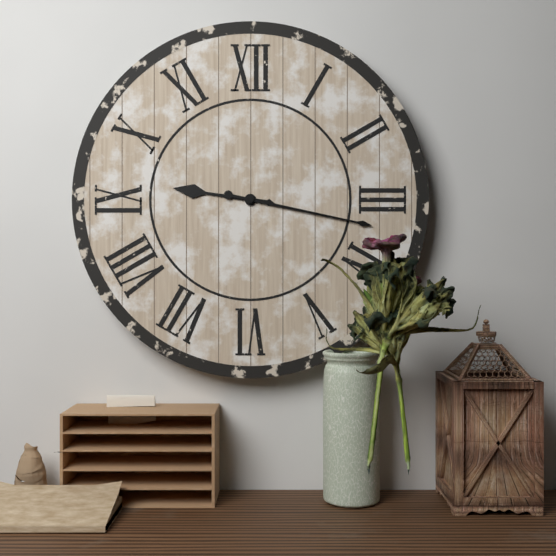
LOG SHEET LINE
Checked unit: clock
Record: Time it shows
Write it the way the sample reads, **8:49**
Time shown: **9:17**
